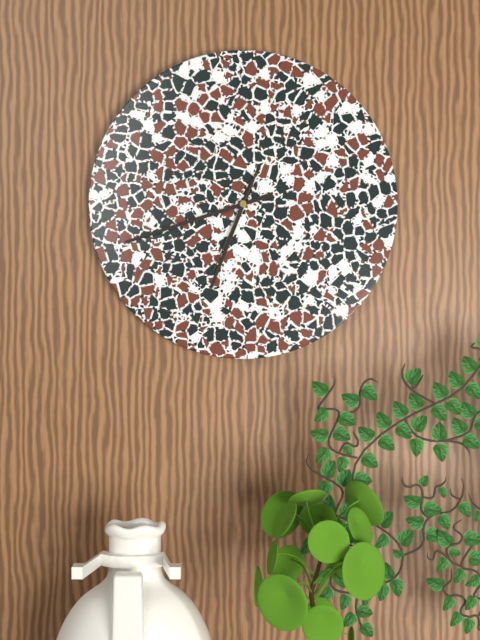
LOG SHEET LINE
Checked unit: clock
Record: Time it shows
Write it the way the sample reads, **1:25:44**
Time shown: **6:42:34**
